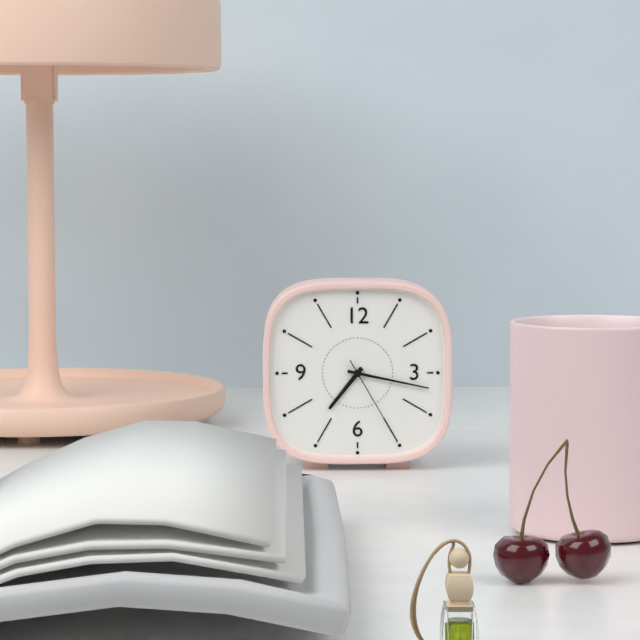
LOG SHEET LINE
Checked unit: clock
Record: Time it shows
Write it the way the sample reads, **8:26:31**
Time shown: **7:17:25**
